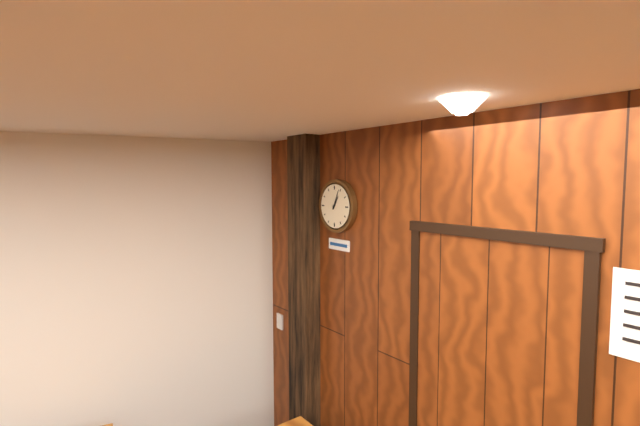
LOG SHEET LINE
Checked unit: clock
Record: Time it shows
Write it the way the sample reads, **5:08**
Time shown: **1:04**
